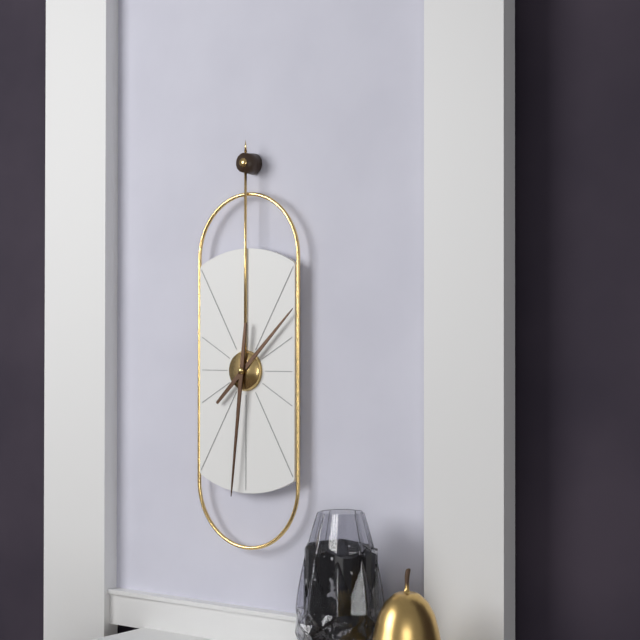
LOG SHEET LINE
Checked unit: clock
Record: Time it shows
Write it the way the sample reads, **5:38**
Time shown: **1:31**
